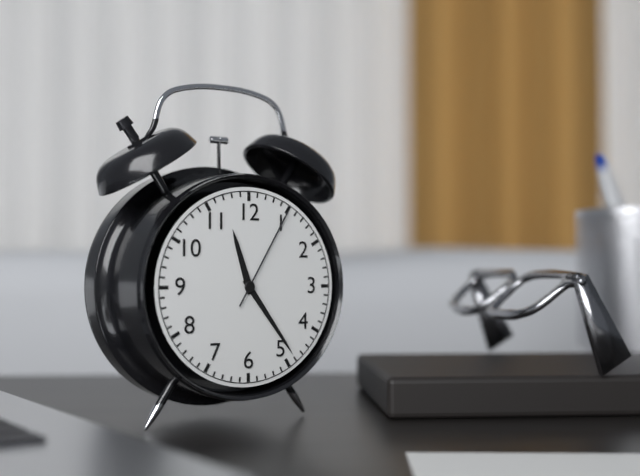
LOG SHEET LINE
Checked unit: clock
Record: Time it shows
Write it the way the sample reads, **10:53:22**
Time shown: **11:24:05**
